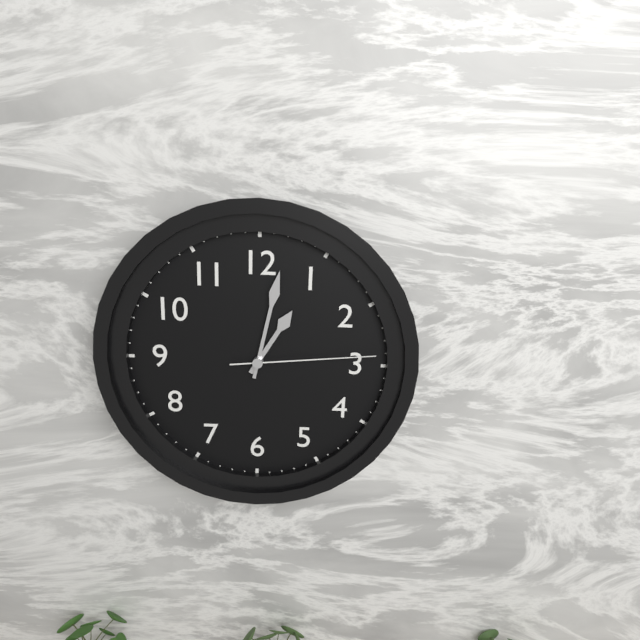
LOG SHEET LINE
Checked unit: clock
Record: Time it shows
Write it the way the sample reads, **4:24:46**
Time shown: **1:02:14**
